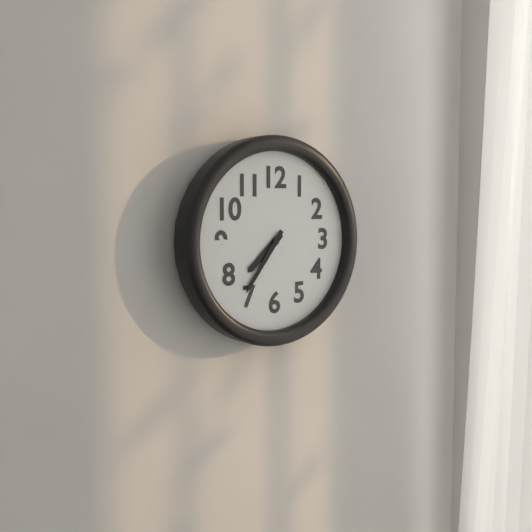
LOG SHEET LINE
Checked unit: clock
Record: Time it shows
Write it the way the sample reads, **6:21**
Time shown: **7:36**
